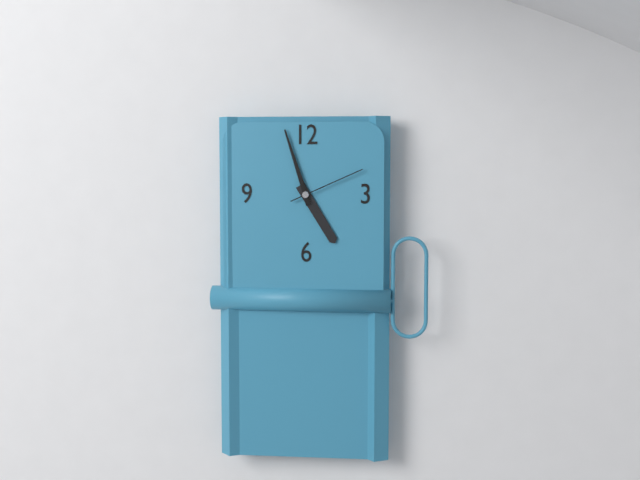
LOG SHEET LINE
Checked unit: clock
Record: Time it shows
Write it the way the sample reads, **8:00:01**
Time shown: **4:57:11**
